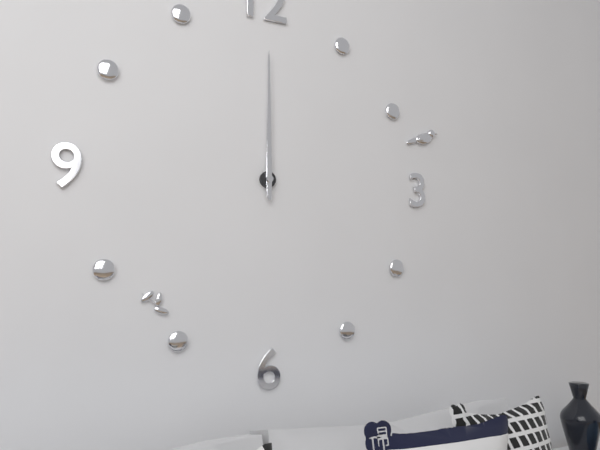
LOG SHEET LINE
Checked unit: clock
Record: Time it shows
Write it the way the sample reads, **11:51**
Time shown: **12:00**
